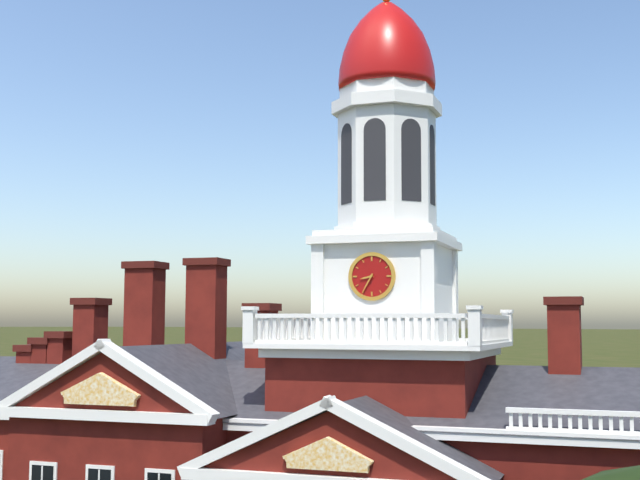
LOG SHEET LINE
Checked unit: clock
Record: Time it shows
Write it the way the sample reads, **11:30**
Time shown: **8:35**
